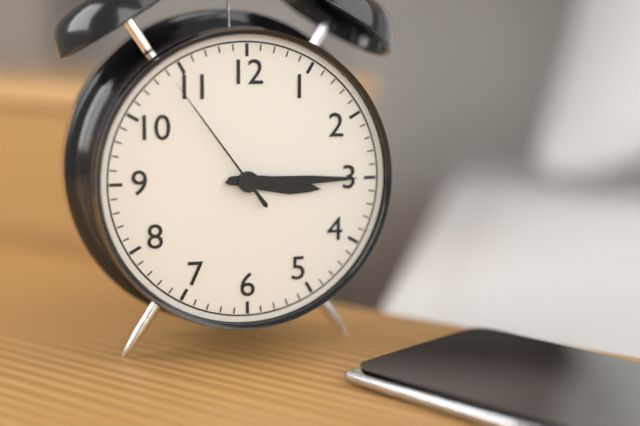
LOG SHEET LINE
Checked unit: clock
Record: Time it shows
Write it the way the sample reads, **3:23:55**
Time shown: **3:15:54**
